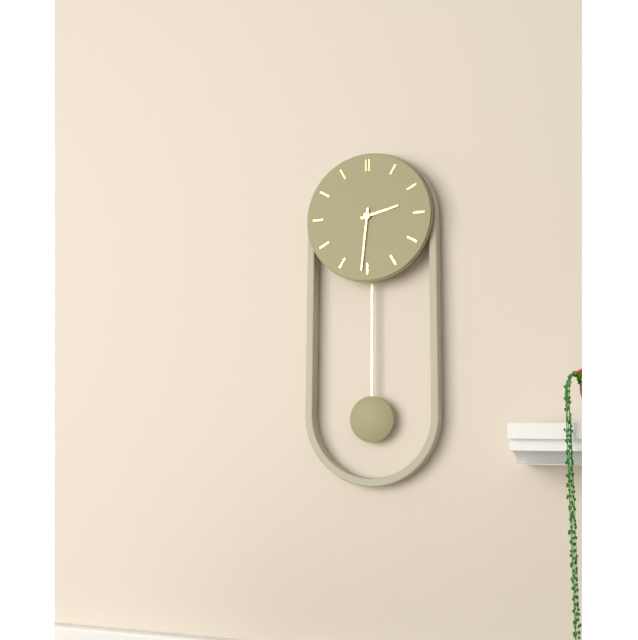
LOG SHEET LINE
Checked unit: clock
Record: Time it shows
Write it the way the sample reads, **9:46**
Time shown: **2:31**
